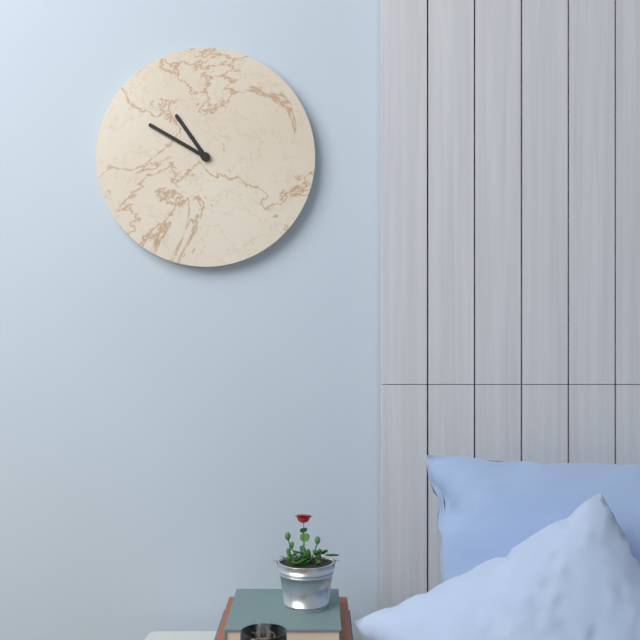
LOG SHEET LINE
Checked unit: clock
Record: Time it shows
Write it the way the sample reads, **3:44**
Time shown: **10:50**
